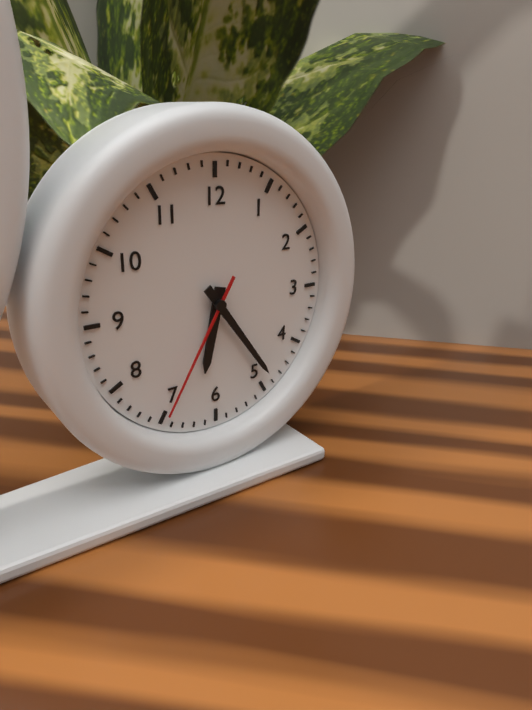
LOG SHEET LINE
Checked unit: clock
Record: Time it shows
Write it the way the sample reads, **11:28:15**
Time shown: **6:24:35**
